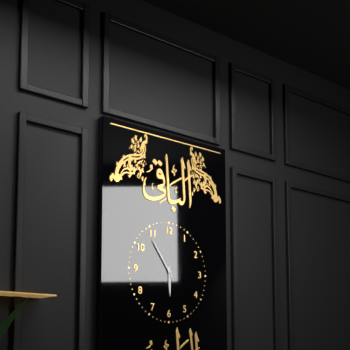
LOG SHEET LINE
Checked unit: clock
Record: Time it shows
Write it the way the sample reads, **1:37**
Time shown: **5:54**
